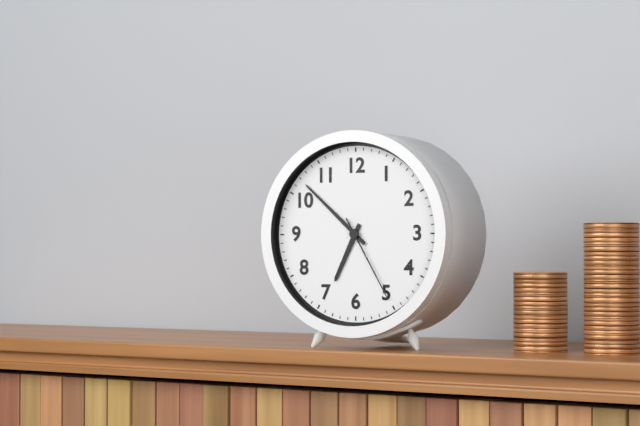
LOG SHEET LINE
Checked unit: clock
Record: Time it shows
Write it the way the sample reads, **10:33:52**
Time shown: **6:52:25**
